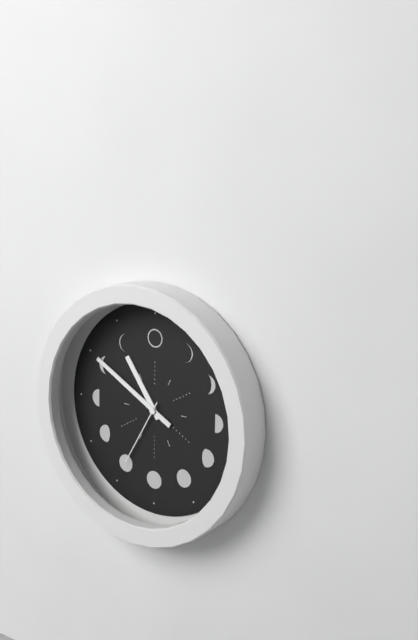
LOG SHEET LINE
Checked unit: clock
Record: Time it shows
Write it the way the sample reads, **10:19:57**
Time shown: **10:50:35**
